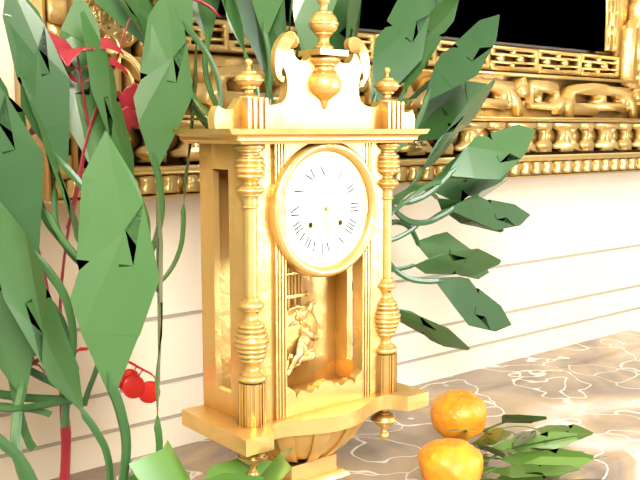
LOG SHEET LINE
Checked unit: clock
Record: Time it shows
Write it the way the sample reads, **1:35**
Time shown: **5:35**
